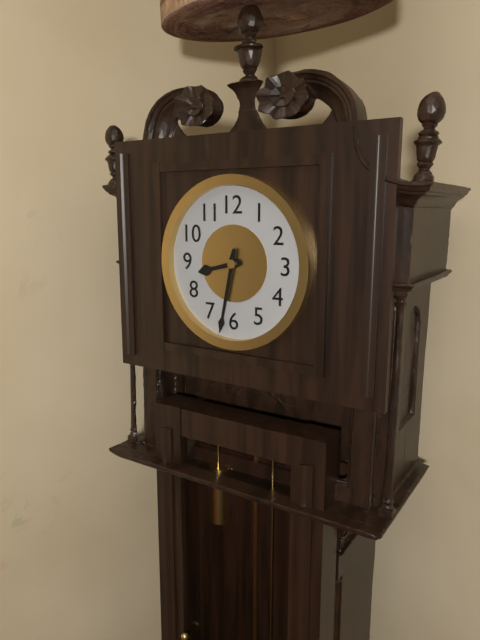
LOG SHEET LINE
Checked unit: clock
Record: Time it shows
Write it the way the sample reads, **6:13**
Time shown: **8:32**
